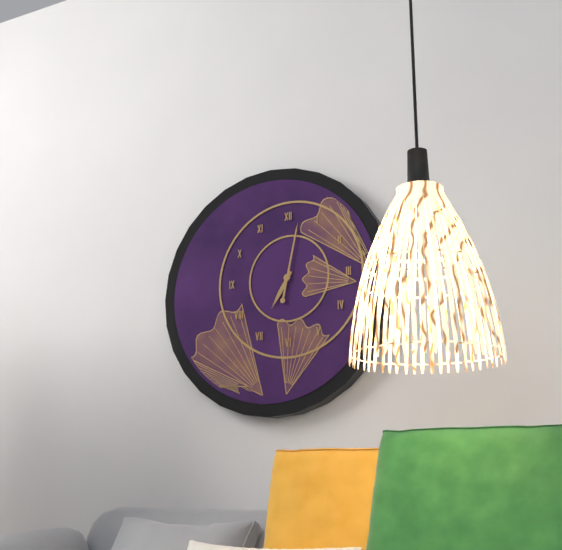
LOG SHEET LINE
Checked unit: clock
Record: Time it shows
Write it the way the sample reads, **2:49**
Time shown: **7:02**
